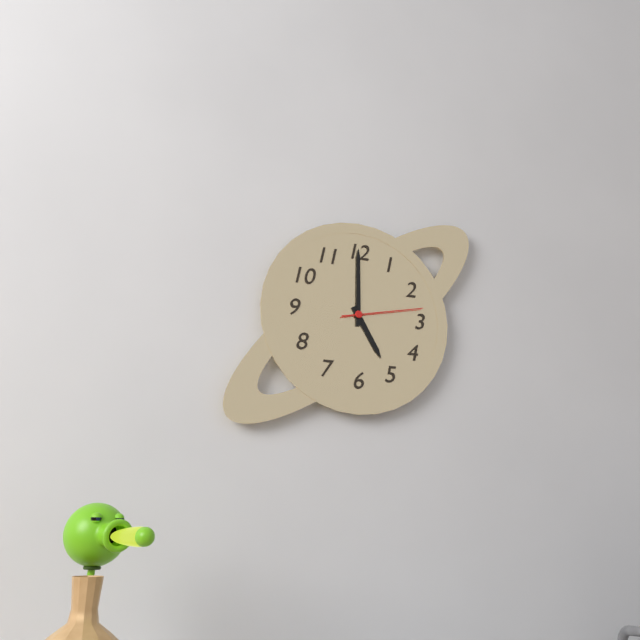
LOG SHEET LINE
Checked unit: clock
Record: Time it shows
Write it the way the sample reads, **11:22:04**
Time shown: **5:00:13**
